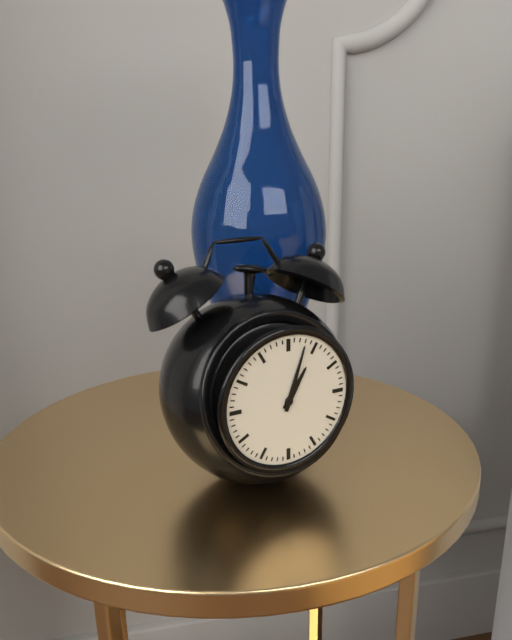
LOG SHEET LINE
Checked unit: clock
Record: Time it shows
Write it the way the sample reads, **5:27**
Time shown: **1:03**
